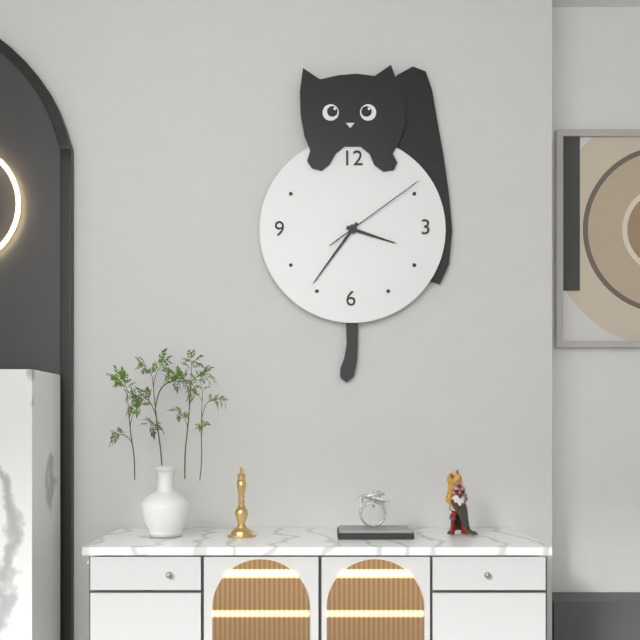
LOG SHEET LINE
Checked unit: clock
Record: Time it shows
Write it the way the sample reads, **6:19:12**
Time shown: **3:36:09**
